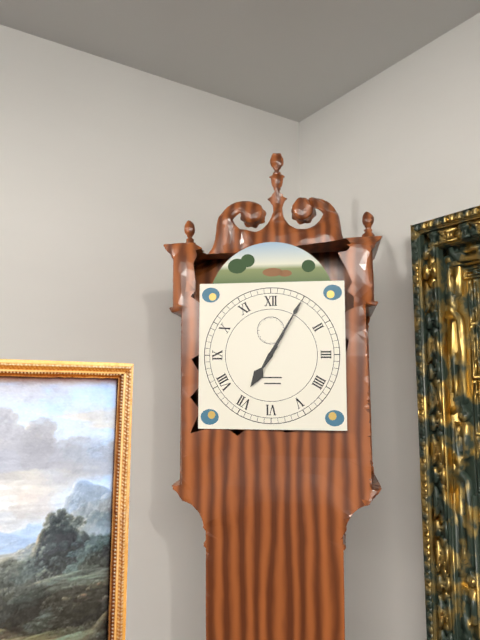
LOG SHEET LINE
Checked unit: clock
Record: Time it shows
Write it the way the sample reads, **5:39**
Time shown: **7:05**
